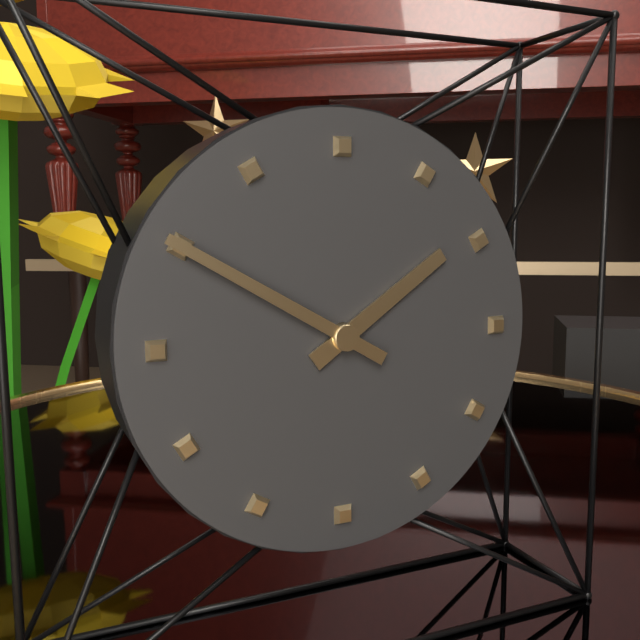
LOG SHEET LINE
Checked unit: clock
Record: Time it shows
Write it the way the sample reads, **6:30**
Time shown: **1:50**
